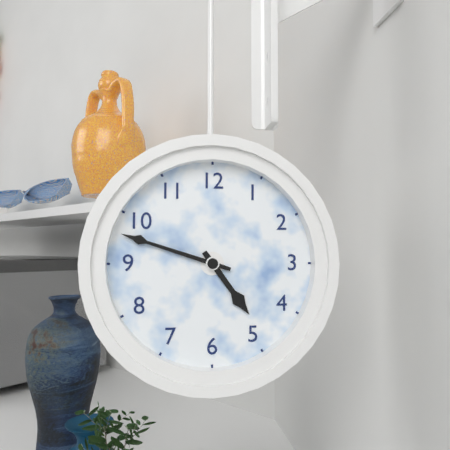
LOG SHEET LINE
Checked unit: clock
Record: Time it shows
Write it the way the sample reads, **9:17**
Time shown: **4:48**
